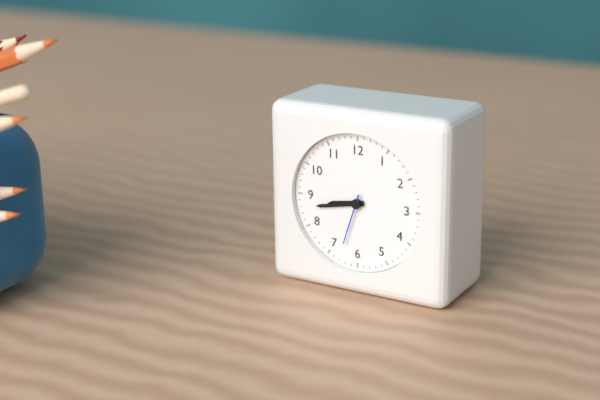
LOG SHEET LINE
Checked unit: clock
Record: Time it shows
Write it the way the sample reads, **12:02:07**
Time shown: **8:43:33**
